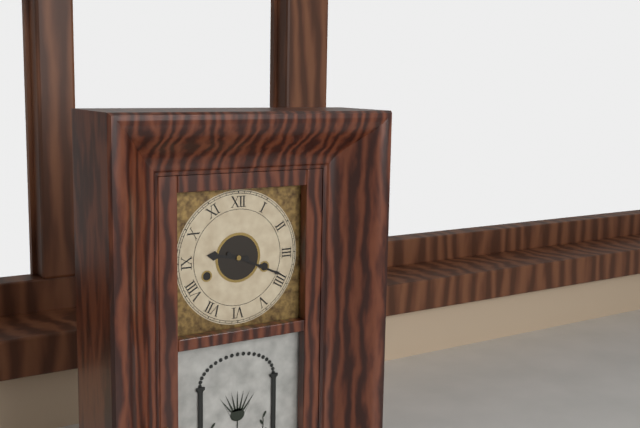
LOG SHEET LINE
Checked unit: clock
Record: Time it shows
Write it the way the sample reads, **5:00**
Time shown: **9:19**
